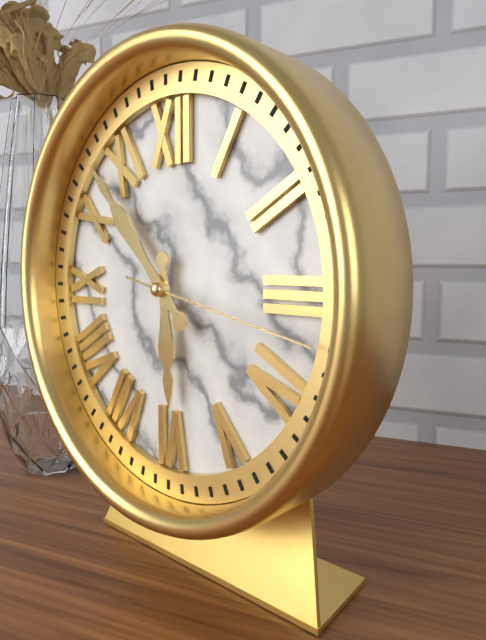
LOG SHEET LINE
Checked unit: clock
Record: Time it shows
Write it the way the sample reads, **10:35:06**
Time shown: **5:53:17**
